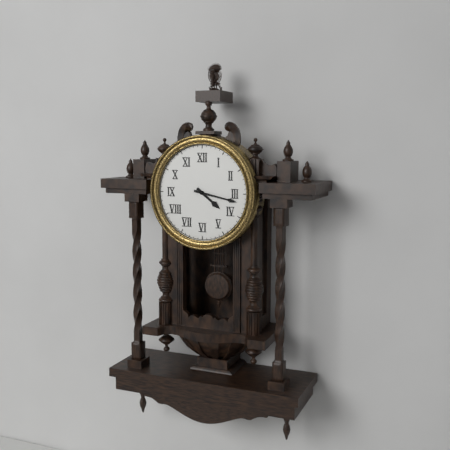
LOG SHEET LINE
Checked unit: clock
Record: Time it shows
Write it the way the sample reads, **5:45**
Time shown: **4:17**
